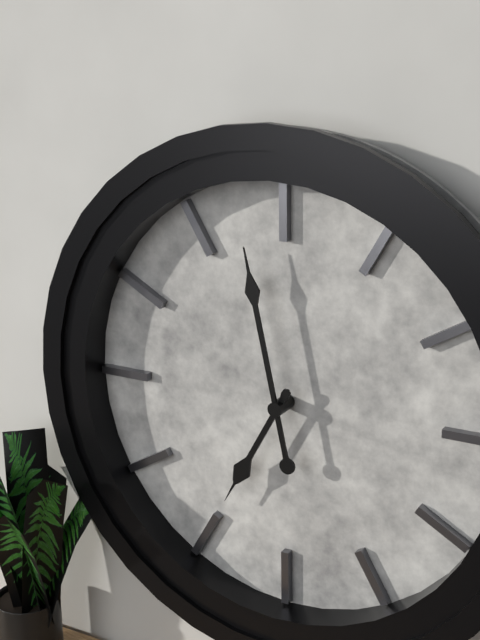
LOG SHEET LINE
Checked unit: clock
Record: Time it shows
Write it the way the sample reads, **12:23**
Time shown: **6:58**
